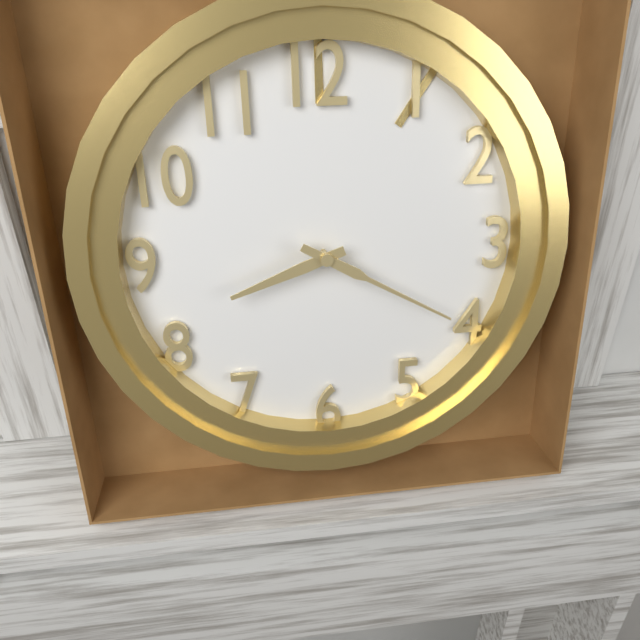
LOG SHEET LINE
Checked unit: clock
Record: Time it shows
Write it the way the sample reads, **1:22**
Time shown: **8:20**
